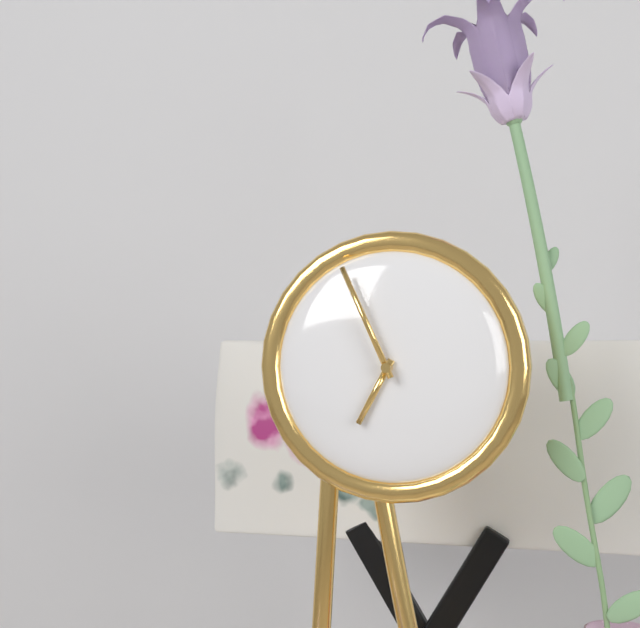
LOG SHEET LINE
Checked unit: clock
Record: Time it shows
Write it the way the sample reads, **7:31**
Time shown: **6:56**
